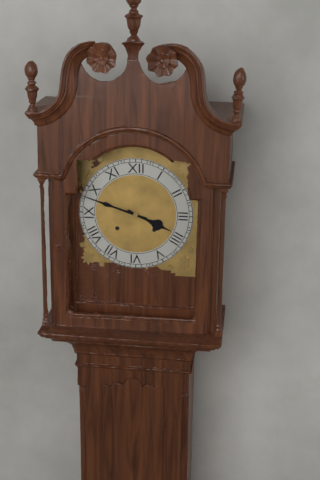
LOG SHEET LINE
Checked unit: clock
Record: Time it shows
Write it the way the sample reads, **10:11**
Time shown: **3:48**
